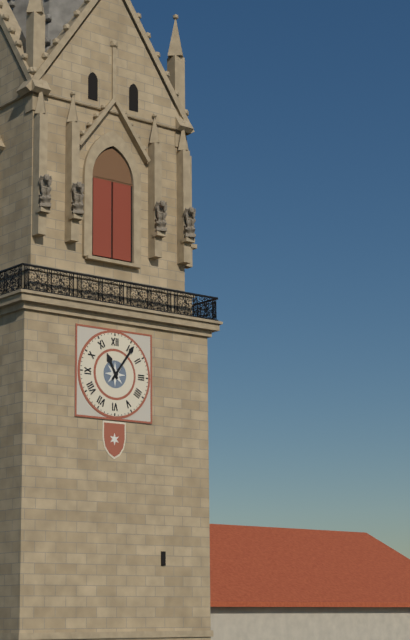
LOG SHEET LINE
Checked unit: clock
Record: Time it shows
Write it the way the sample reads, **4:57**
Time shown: **11:06**
